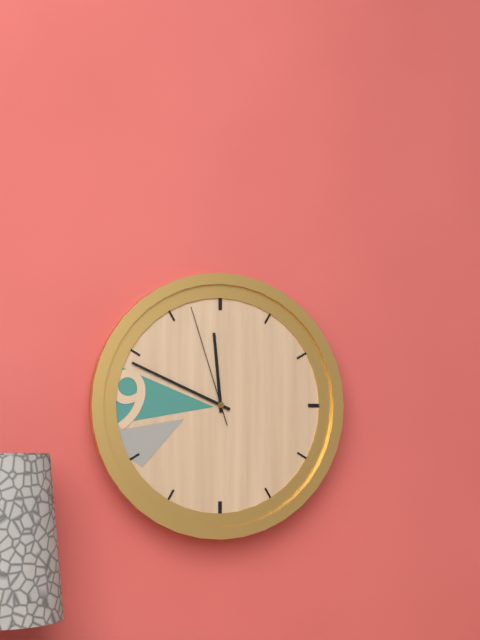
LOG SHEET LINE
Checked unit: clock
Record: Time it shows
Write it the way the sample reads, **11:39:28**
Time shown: **11:49:57**
